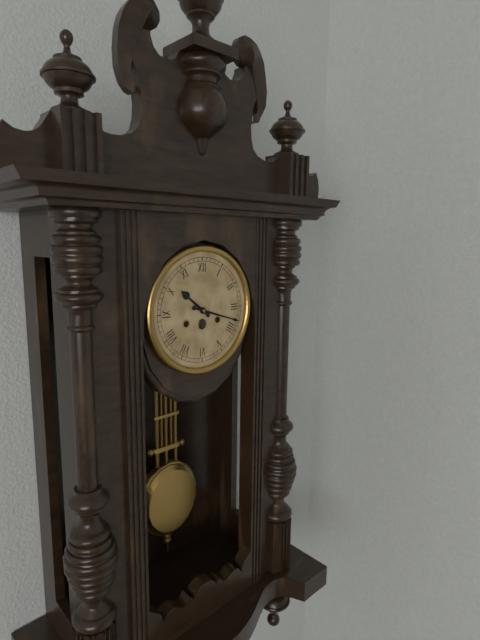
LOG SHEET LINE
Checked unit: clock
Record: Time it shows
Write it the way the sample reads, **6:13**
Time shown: **10:18**
